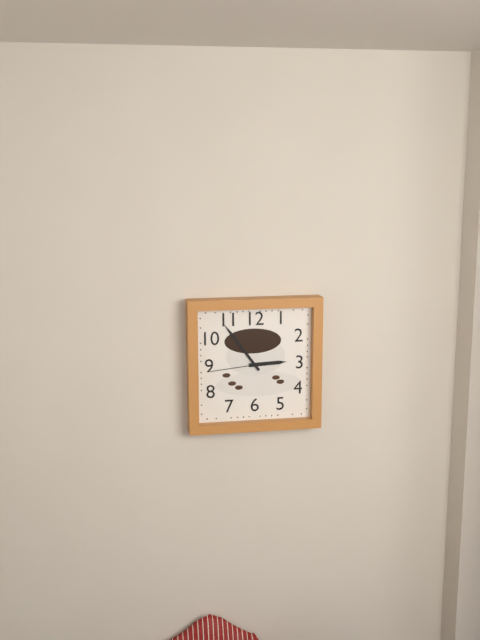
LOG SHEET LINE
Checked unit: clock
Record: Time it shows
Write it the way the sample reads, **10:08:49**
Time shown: **2:54:44**
